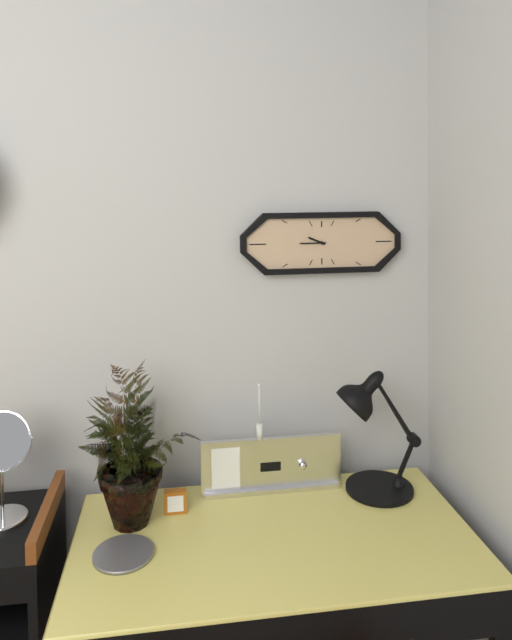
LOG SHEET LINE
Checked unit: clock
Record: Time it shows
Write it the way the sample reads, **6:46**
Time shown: **9:45**
